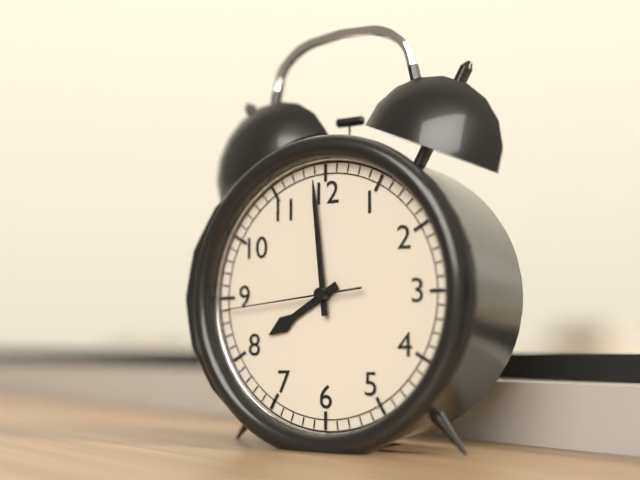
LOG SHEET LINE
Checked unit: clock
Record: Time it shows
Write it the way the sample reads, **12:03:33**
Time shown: **7:59:44**
